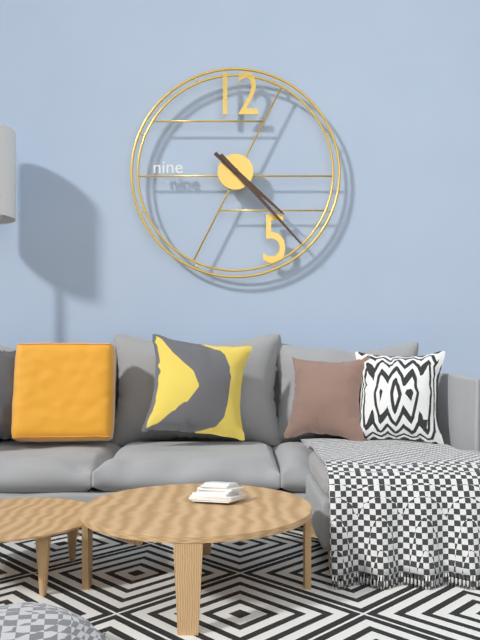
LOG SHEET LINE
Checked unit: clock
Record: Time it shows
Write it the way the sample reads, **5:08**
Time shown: **4:23**
